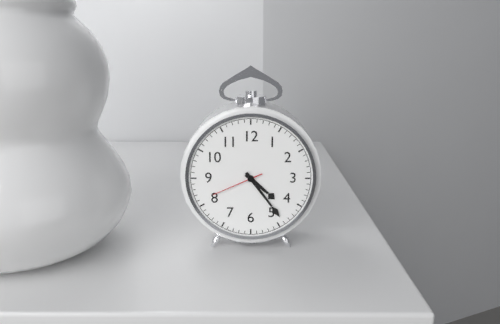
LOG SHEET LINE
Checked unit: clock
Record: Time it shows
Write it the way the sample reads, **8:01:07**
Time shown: **4:24:41**
